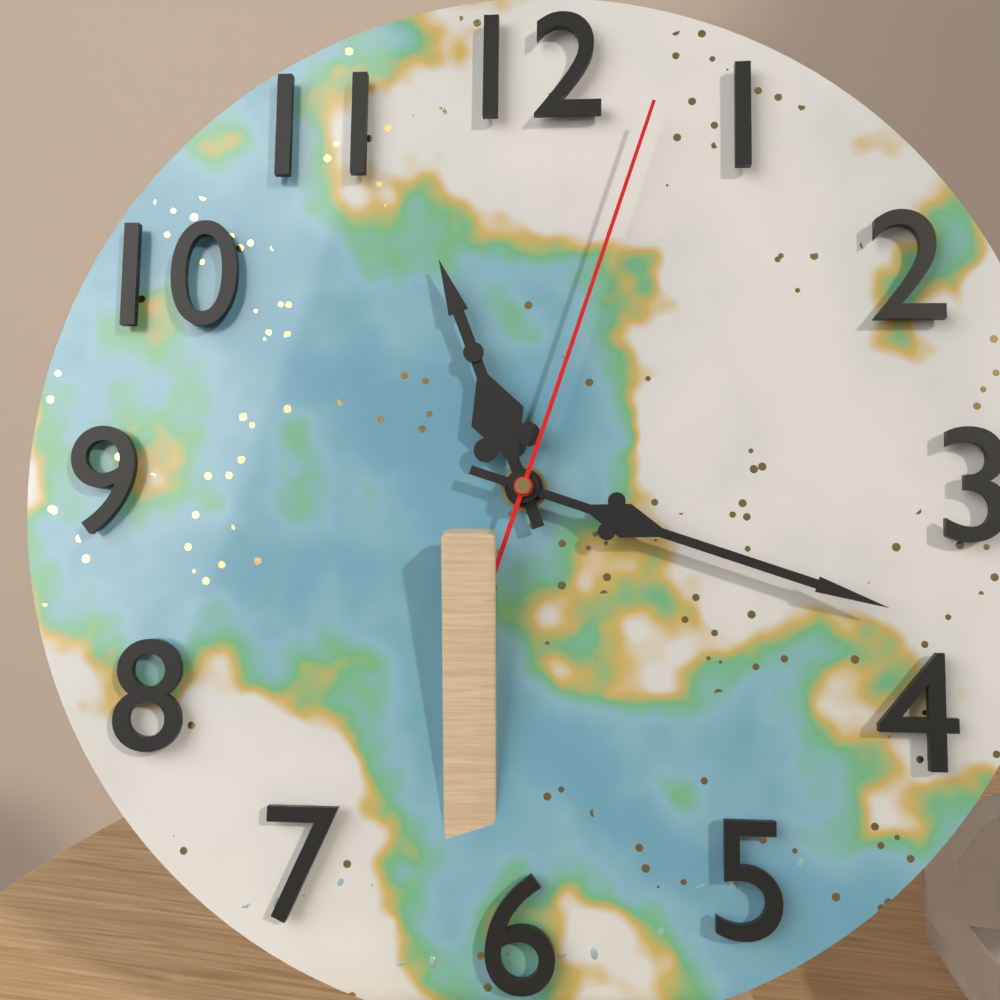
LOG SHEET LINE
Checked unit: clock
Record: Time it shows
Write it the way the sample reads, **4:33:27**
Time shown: **11:18:03**
